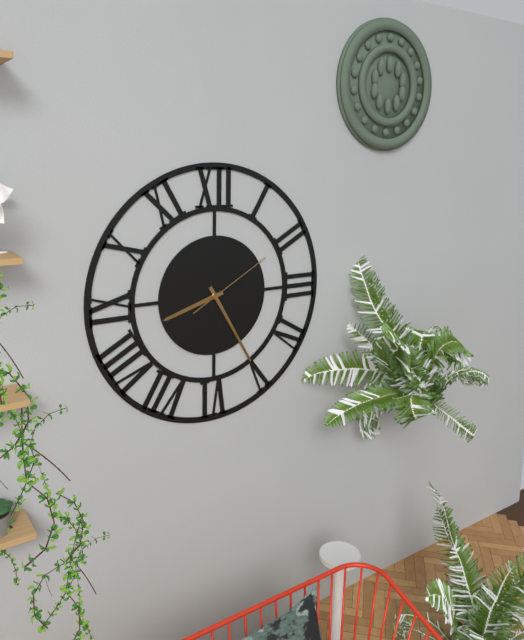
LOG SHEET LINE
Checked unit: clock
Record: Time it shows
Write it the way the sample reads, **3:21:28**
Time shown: **8:25:10**
